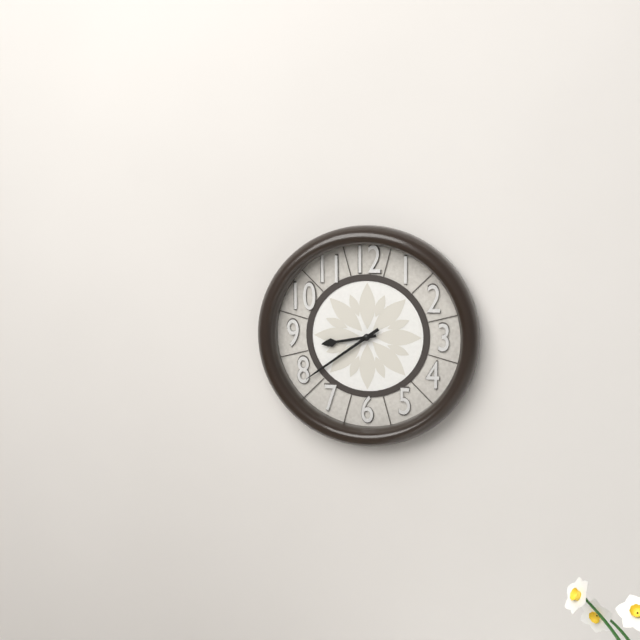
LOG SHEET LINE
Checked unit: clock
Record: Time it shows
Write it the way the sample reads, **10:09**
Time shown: **8:39**
